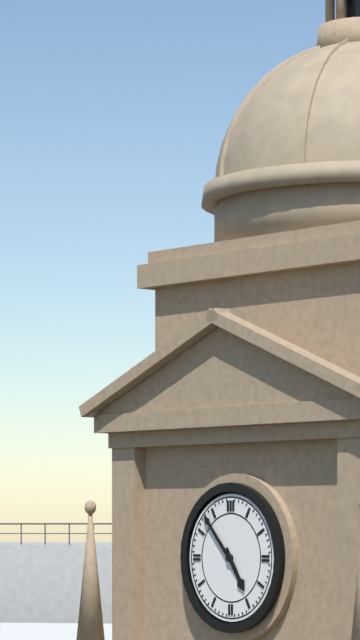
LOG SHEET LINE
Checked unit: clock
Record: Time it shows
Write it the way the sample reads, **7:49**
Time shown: **4:53**
